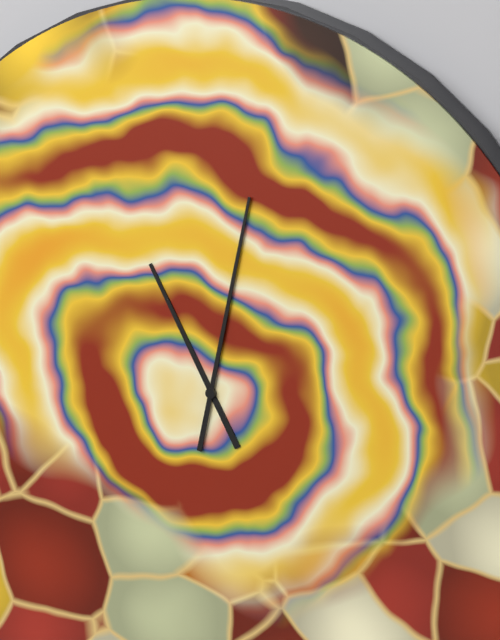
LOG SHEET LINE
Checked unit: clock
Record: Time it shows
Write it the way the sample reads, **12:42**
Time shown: **11:02**
